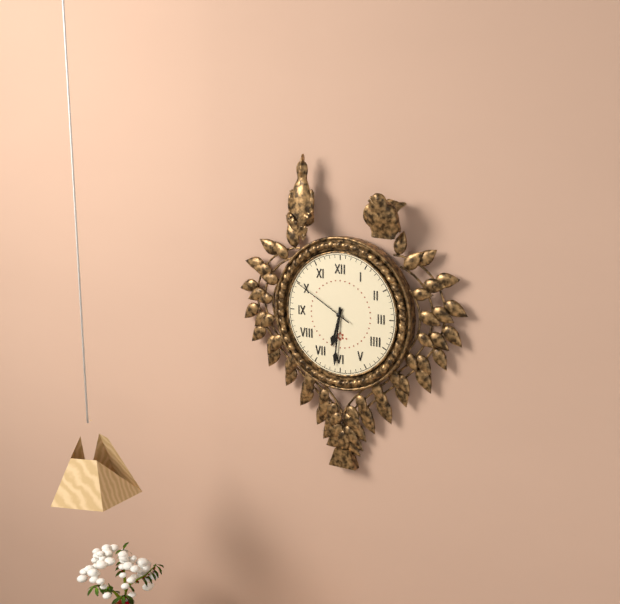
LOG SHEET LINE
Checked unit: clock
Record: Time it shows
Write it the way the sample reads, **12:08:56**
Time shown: **6:31:50**
